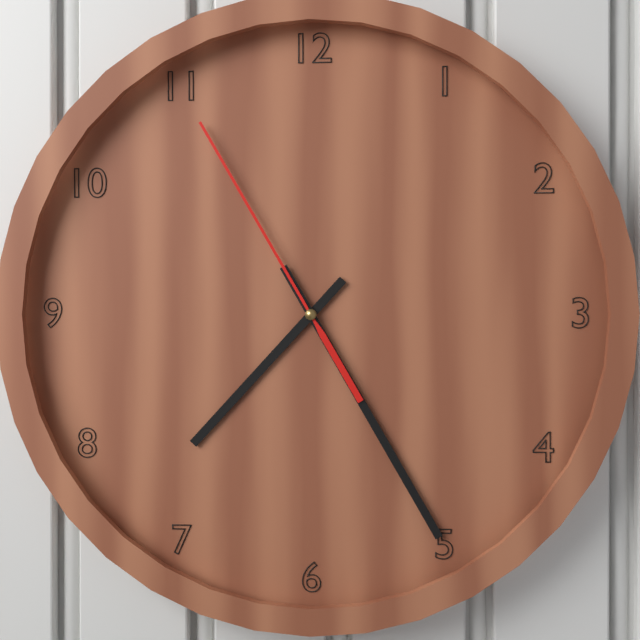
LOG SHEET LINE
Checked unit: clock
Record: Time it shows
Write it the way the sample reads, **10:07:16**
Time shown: **7:25:55**
